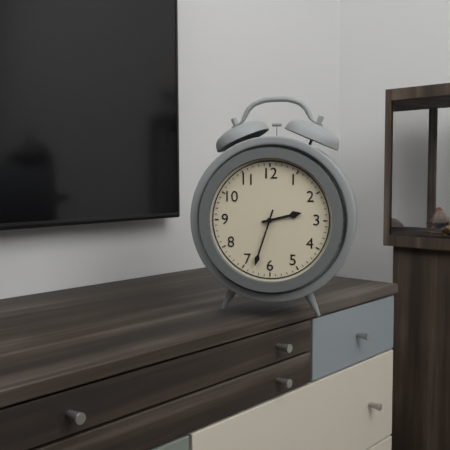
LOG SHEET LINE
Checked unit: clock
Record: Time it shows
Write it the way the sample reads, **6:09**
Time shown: **2:33**
